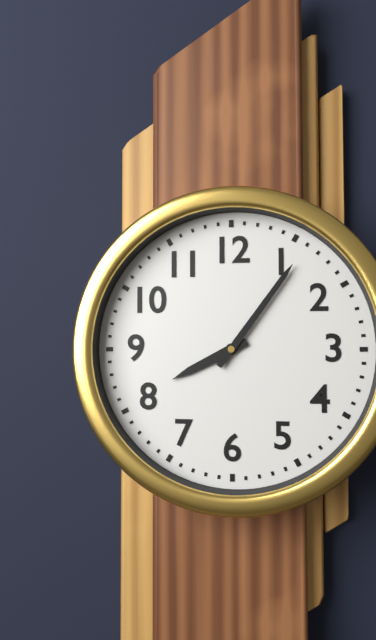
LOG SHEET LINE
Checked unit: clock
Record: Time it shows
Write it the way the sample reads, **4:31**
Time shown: **8:06**
